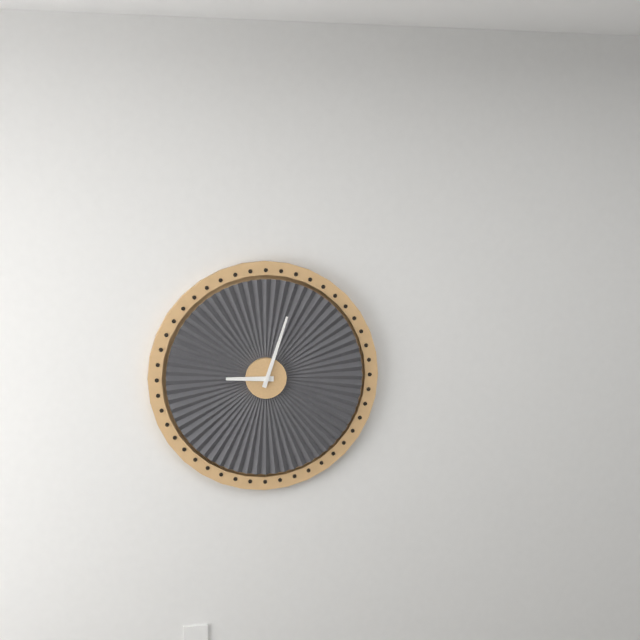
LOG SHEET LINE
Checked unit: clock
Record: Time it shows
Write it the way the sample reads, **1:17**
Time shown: **9:03**
